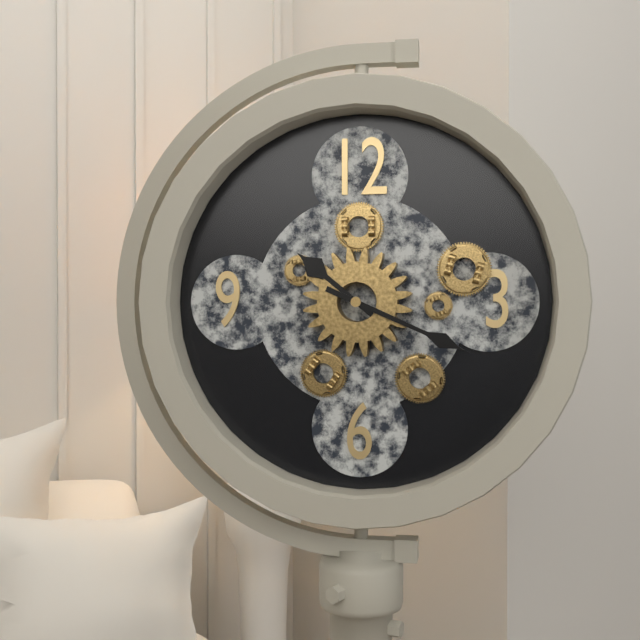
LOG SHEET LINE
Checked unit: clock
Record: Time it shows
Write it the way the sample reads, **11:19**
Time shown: **10:19**
